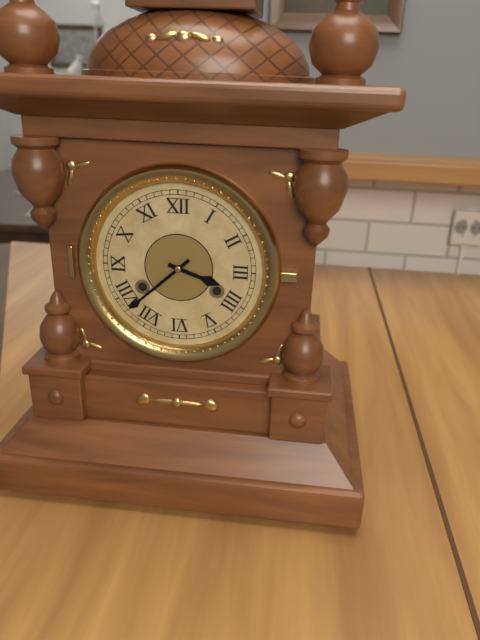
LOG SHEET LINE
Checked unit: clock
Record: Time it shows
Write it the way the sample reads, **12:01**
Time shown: **3:38**
